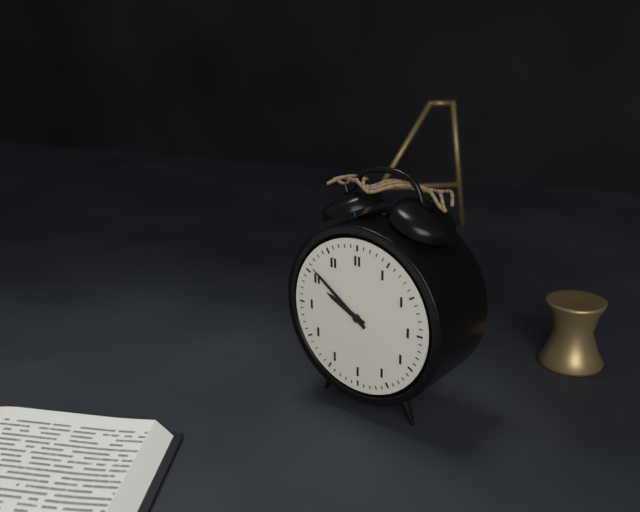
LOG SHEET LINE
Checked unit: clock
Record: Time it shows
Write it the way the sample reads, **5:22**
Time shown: **9:51**
